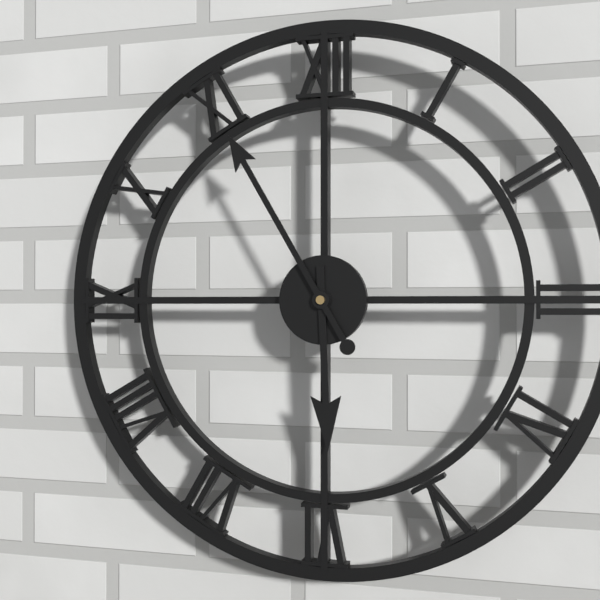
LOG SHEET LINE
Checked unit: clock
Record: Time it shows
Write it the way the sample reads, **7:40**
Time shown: **5:55**
